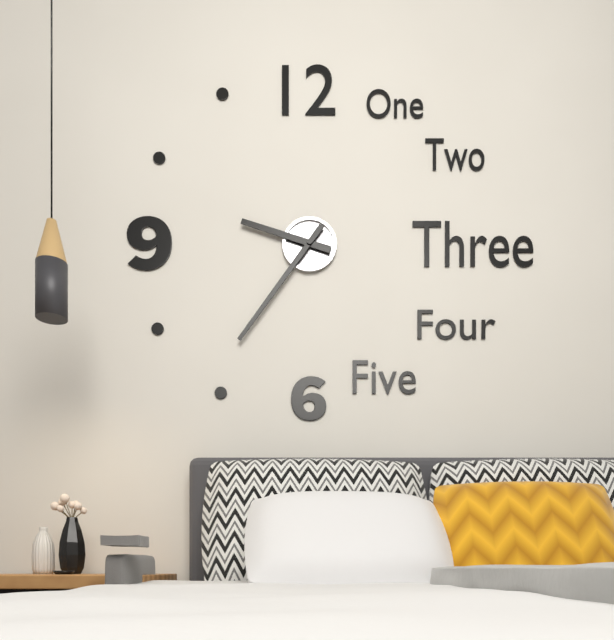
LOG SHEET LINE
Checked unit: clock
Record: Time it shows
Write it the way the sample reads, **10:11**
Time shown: **9:36**
